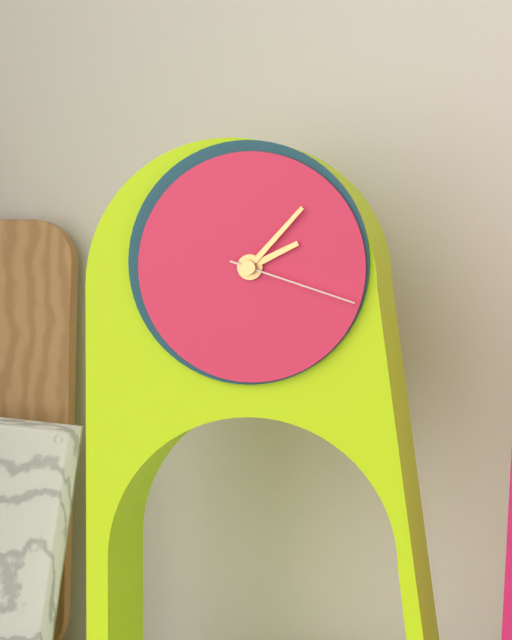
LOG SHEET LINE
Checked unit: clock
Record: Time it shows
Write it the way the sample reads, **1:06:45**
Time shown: **2:07:18**
